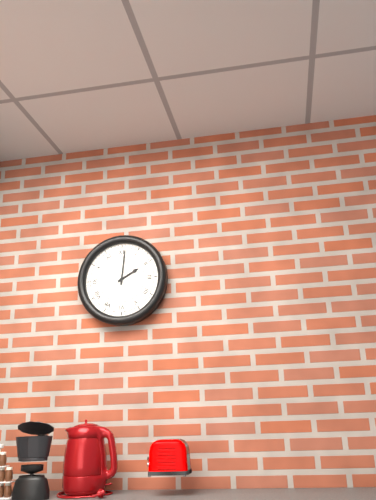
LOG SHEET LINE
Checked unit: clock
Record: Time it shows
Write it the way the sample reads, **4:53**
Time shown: **2:01**
